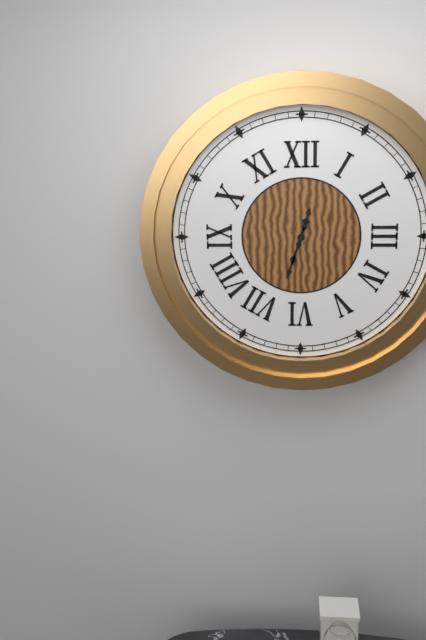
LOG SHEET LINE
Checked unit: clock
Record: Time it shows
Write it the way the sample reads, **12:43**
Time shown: **12:33**
